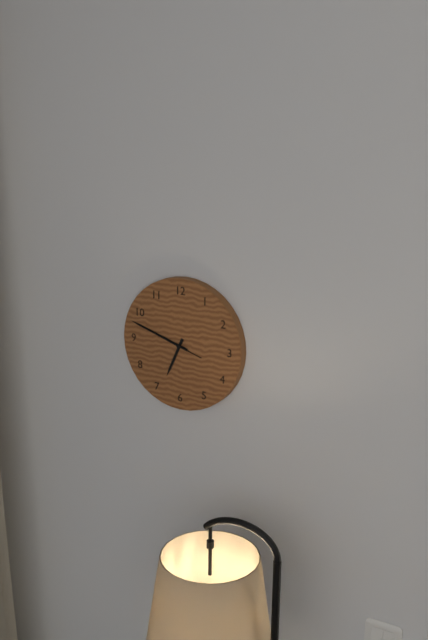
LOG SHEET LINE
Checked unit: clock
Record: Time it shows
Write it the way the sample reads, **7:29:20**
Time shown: **6:48:48**
